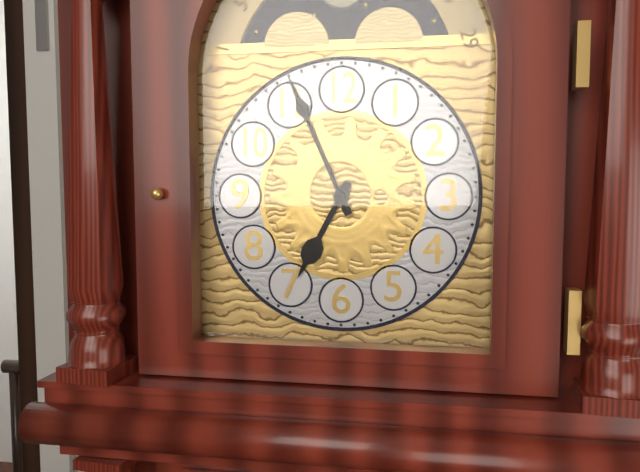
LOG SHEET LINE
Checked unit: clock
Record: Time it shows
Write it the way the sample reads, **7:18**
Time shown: **6:56**
